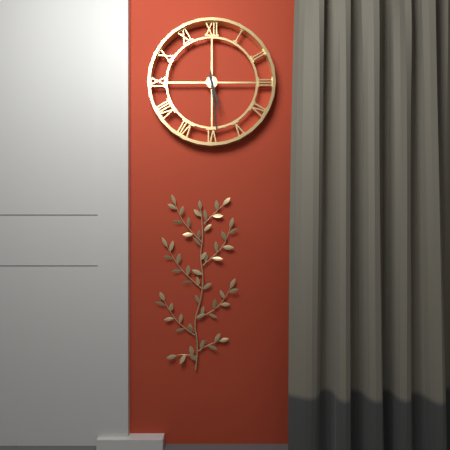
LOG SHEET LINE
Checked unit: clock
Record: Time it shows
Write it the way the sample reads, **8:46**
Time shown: **5:29**
